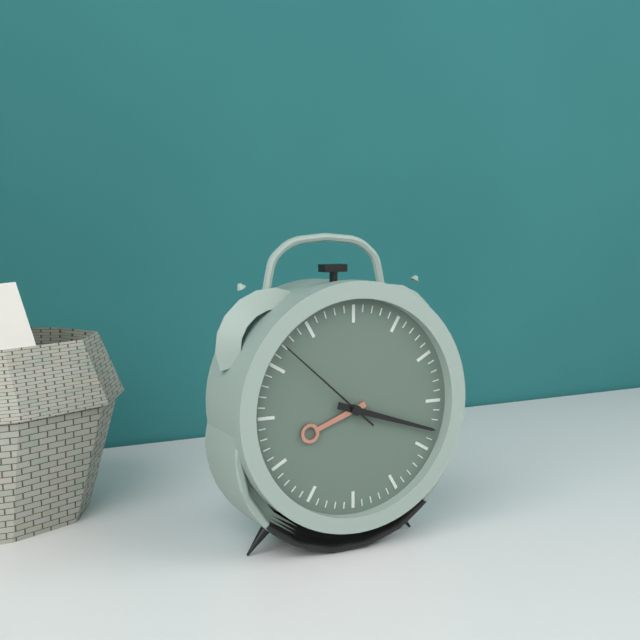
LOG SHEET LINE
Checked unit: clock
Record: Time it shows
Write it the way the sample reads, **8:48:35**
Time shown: **8:18:52**
